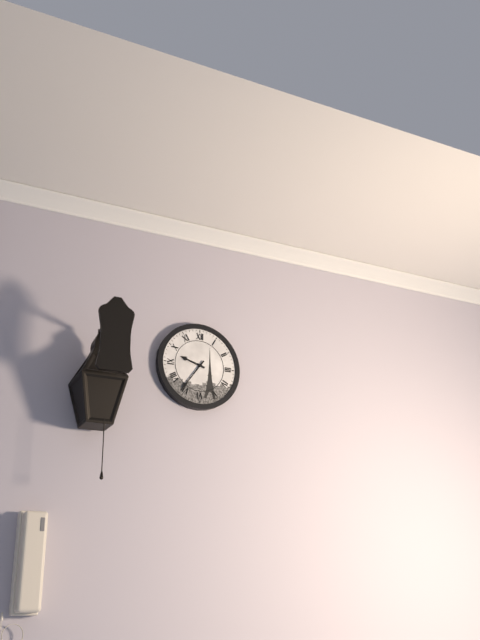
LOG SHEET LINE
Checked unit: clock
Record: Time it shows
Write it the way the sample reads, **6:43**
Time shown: **9:36**
